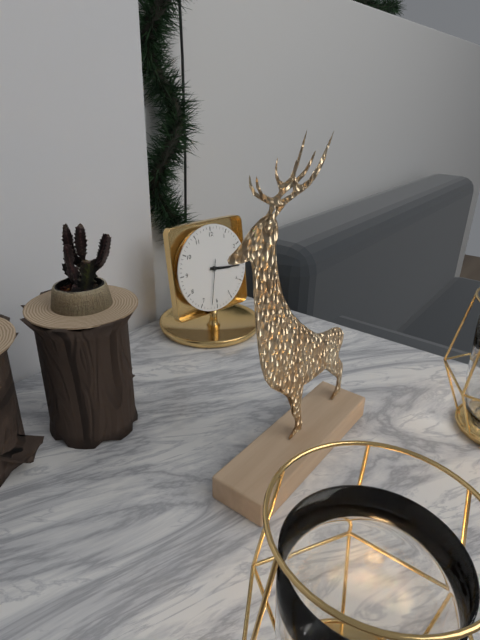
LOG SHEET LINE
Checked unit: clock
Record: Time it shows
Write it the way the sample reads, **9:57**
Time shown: **3:16**
